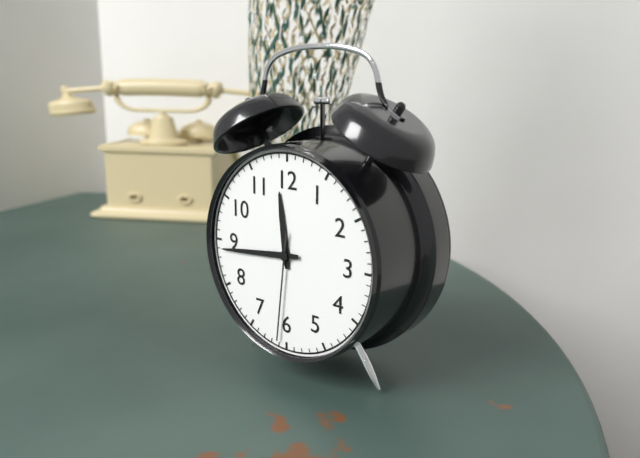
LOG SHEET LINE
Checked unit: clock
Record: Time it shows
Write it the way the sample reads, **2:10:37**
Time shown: **11:44:31**
